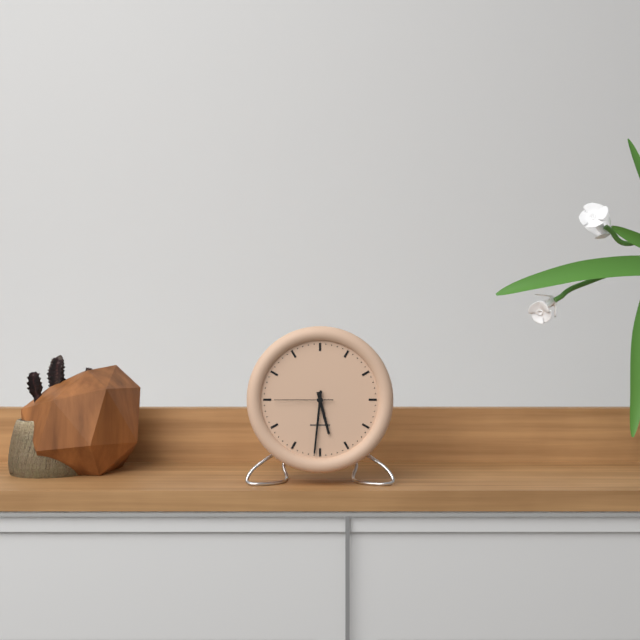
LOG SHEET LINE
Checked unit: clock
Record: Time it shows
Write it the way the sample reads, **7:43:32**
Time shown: **5:31:45**
